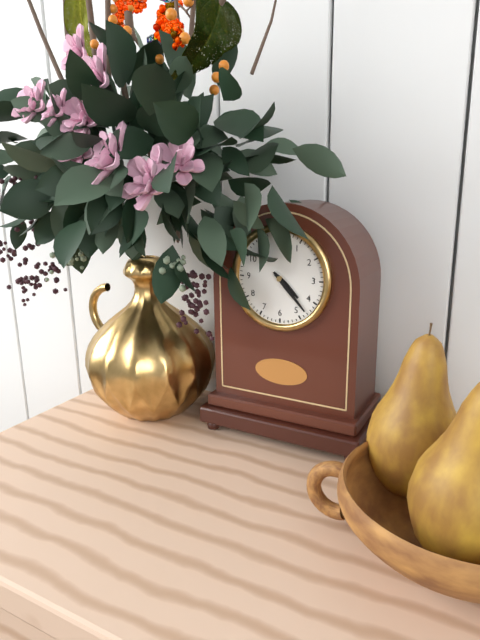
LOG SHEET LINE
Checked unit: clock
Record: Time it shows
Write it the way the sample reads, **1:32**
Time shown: **4:23**
